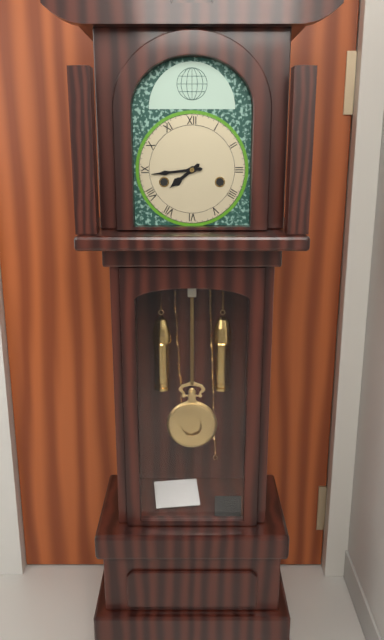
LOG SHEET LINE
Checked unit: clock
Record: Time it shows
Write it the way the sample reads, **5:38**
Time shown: **7:44**
